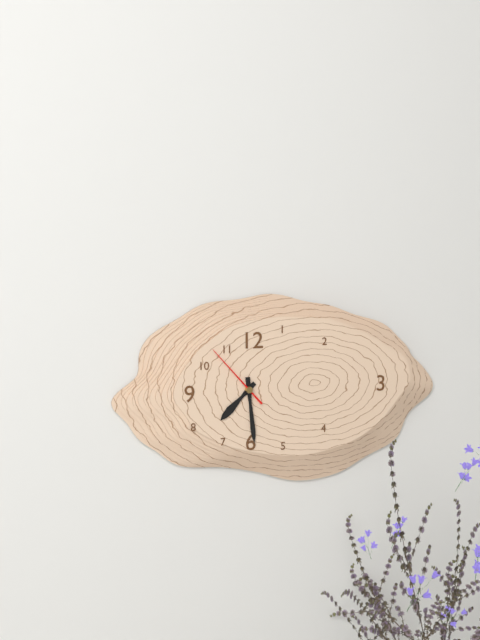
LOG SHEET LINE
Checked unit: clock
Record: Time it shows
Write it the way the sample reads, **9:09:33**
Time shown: **7:29:53**
